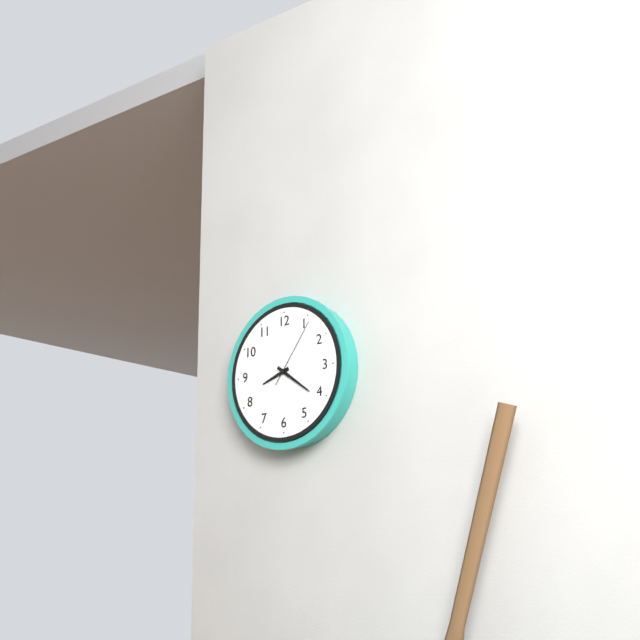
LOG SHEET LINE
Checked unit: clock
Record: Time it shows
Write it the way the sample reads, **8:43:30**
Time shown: **8:21:06**
